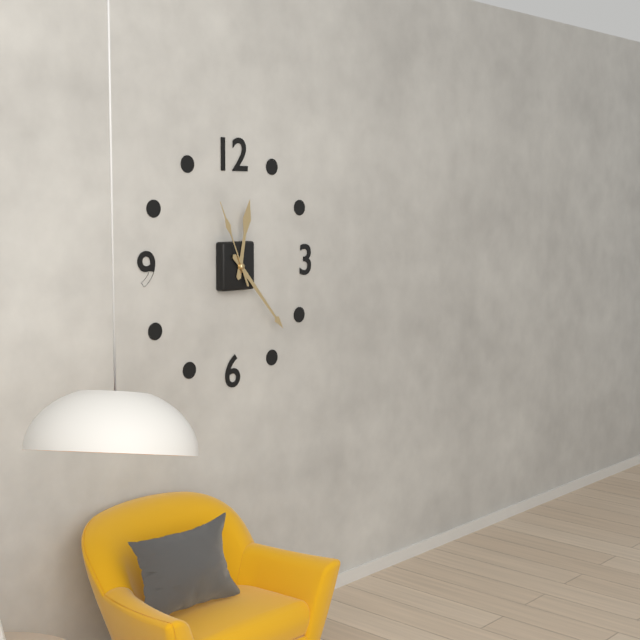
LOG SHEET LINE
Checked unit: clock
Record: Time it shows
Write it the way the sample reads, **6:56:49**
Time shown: **12:23:56**
